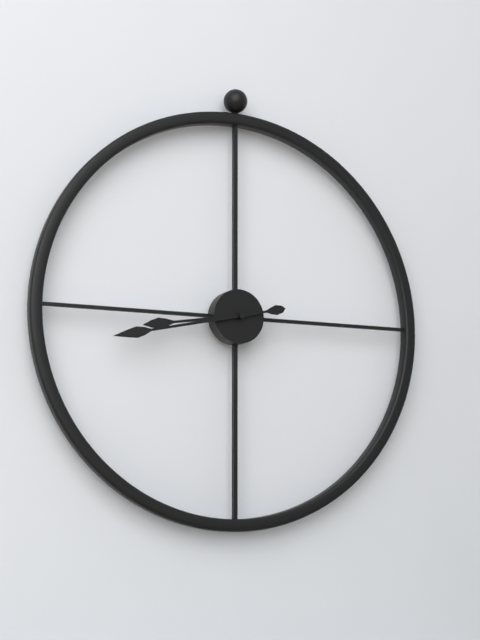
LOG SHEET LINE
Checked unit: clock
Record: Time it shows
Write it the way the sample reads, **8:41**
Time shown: **8:43**
